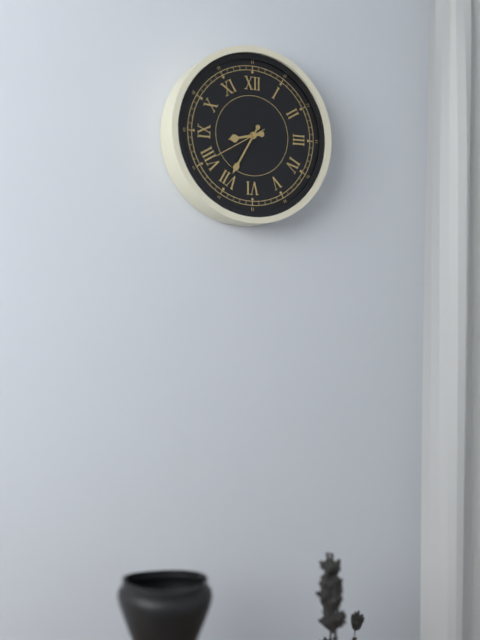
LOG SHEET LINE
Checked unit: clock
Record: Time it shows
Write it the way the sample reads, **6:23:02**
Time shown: **8:35:40**
